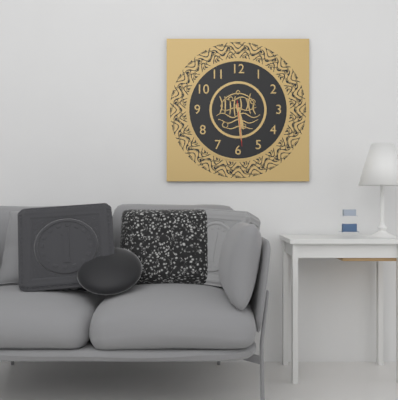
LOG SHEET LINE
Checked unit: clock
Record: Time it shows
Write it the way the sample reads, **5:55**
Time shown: **5:29**
